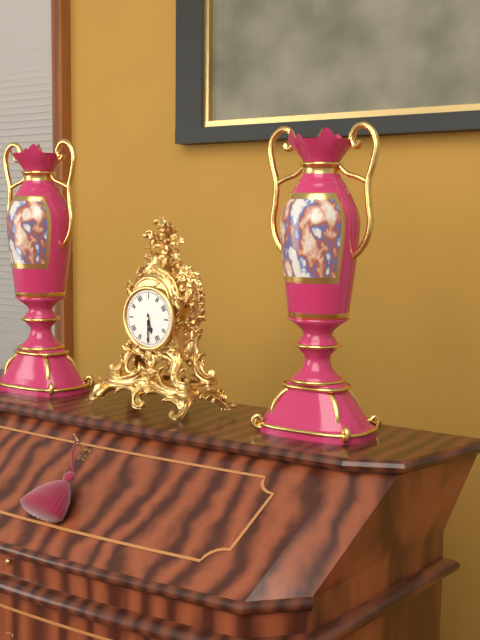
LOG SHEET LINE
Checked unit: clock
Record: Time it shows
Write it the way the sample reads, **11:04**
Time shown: **5:30**
